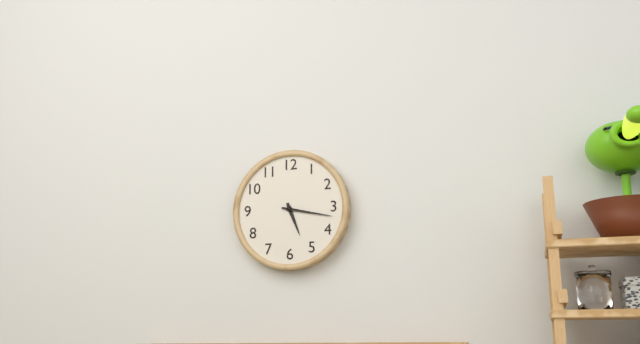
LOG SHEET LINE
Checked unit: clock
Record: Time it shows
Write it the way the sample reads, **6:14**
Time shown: **5:17**
